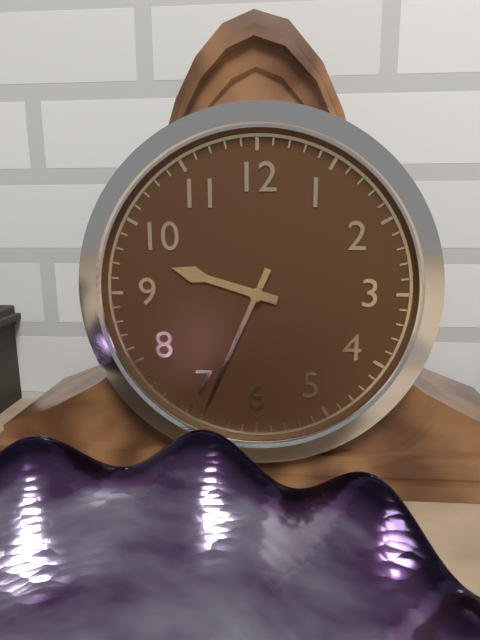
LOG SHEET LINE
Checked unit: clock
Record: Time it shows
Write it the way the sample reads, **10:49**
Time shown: **9:34**
